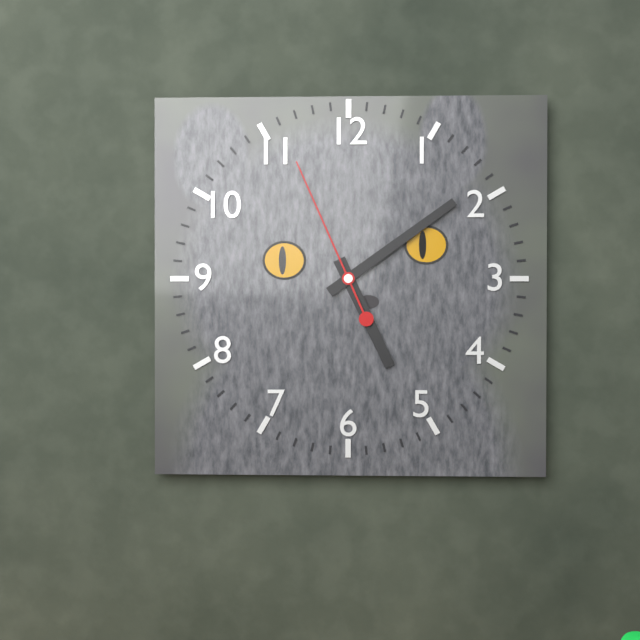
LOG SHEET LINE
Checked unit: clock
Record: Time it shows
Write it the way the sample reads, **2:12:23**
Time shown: **5:09:56**
